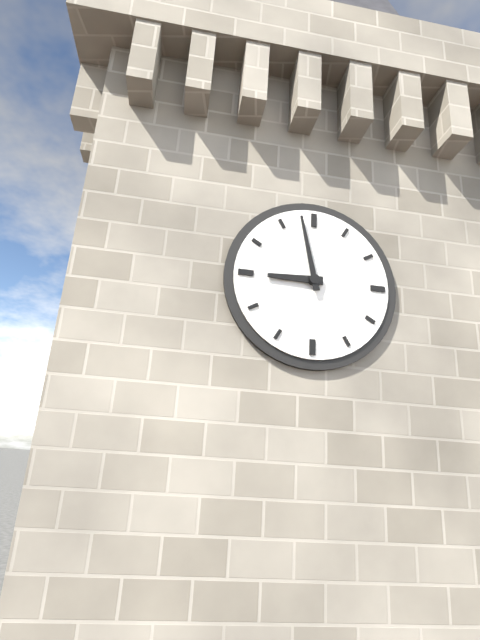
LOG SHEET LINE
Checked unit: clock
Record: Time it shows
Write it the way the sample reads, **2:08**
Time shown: **8:58**
